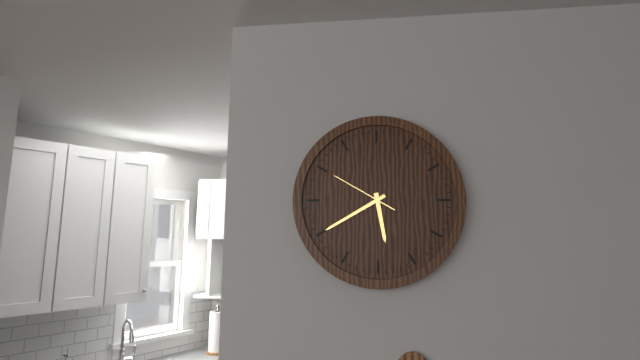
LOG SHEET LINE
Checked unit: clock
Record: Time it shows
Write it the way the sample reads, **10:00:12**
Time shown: **5:40:50**
